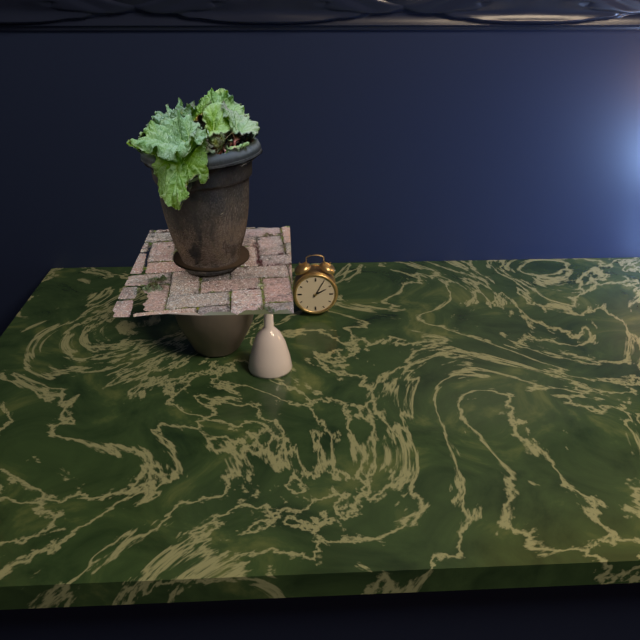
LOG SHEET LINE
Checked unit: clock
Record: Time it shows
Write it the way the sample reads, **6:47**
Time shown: **2:05**
